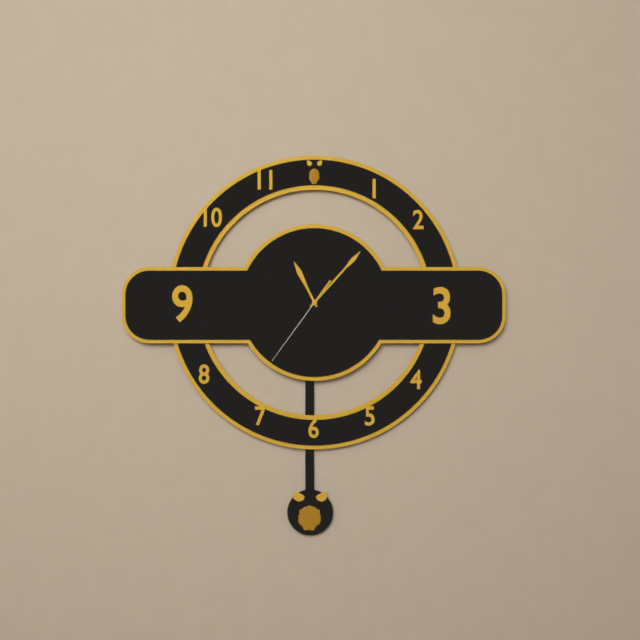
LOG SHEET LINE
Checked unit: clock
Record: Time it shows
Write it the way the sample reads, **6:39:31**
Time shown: **11:07:36**
